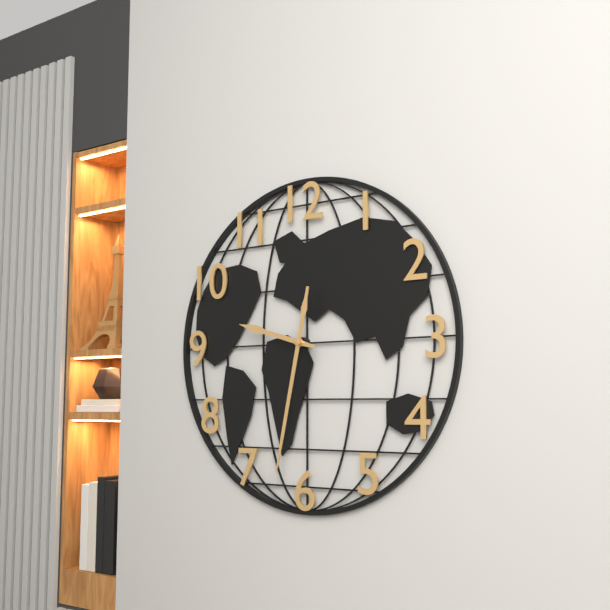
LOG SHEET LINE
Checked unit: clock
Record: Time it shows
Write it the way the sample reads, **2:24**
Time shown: **9:32**
